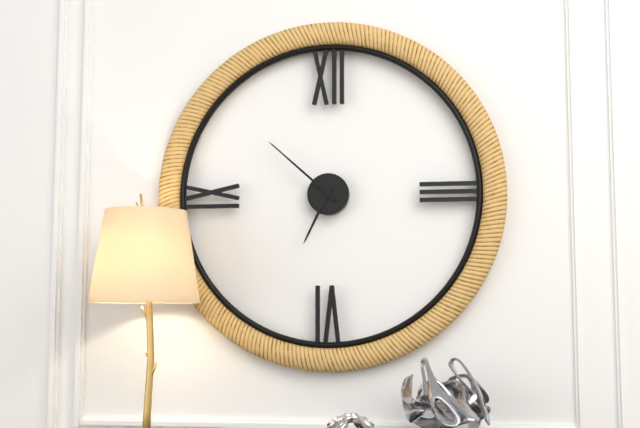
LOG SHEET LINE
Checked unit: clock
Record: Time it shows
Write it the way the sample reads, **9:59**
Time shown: **6:52**
